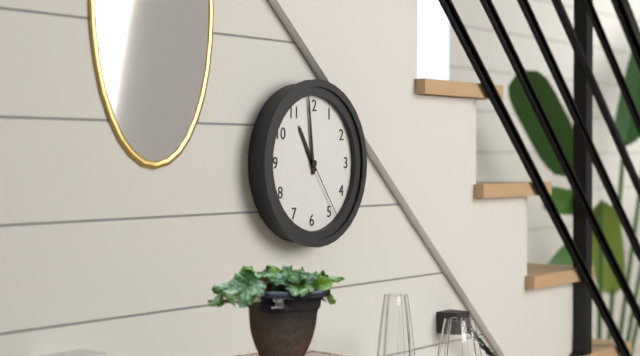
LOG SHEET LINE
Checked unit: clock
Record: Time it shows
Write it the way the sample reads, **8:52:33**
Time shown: **10:59:24**
